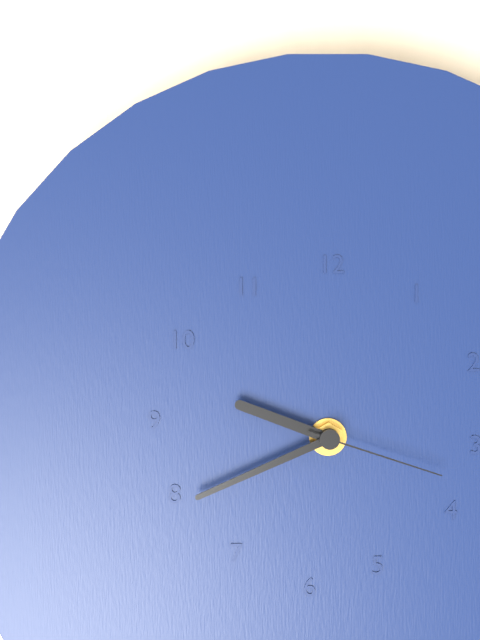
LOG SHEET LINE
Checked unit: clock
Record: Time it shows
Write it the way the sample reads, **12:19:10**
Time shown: **9:41:18**
